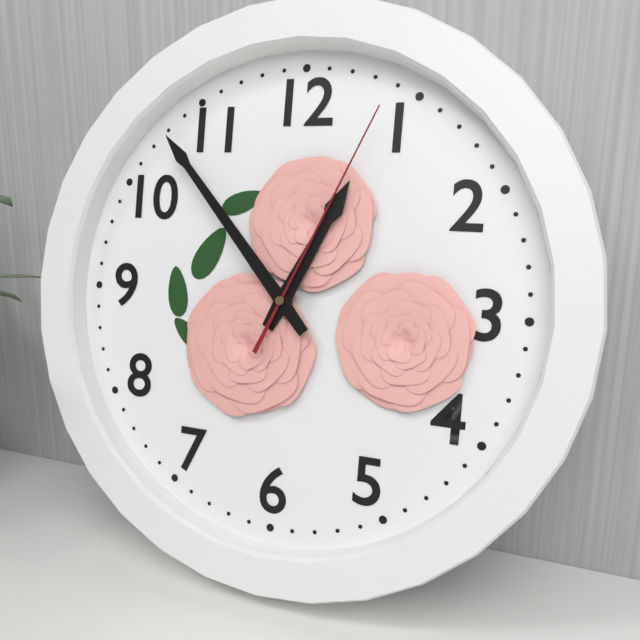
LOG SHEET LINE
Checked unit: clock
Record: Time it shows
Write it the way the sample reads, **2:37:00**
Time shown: **12:53:04**
